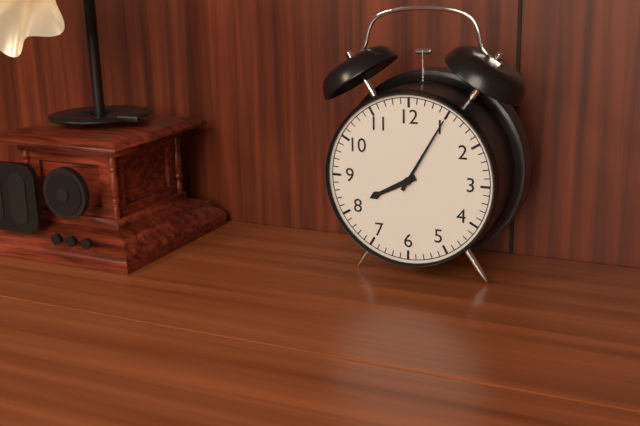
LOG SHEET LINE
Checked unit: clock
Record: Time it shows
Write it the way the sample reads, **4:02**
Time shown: **8:05**
